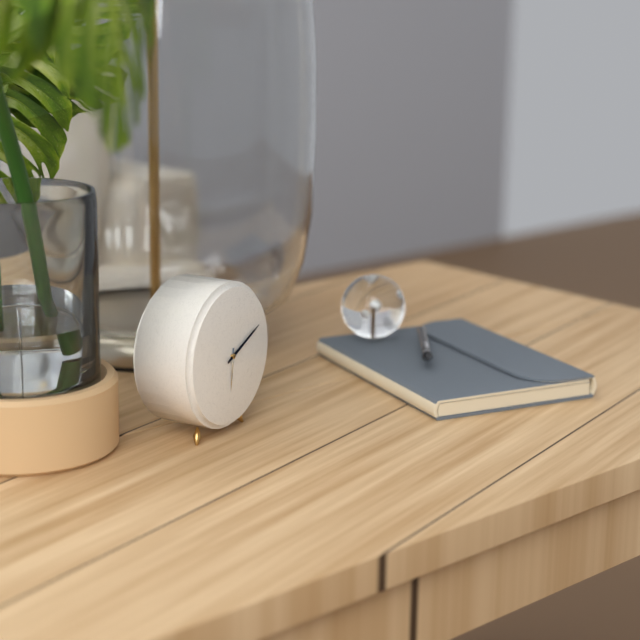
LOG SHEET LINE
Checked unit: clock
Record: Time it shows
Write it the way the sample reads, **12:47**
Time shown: **6:11**
